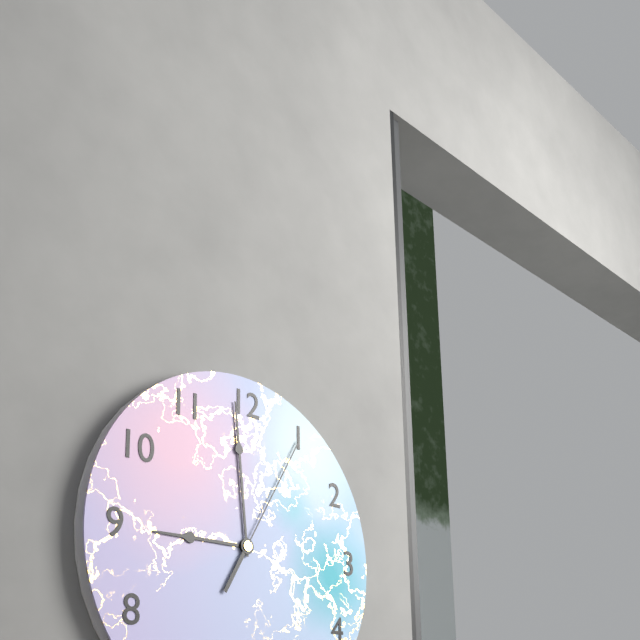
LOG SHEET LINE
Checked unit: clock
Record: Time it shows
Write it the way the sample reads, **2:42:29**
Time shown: **8:59:05**
